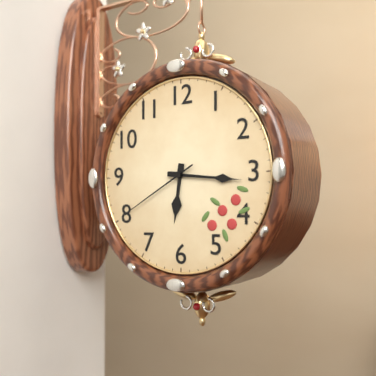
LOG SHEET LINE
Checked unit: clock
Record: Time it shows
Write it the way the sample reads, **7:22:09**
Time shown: **6:16:40**
